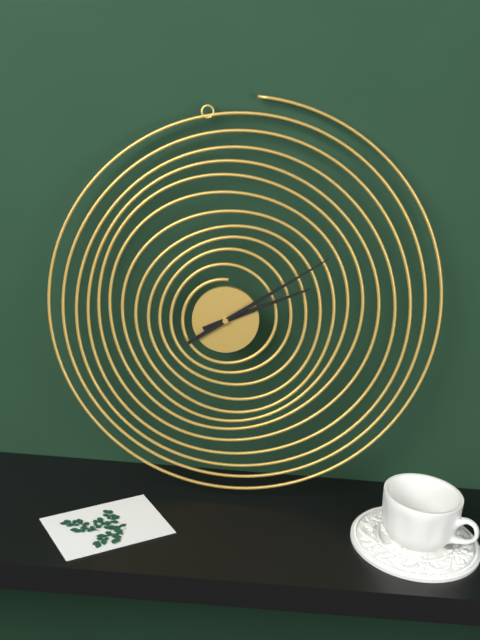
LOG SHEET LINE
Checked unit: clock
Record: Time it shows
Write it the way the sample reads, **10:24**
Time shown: **2:09**
